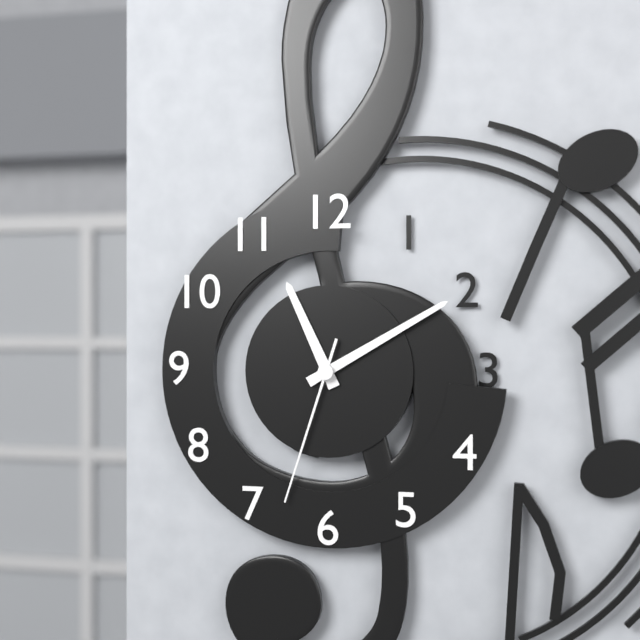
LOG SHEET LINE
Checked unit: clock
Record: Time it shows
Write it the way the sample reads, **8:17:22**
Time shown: **11:10:33**
